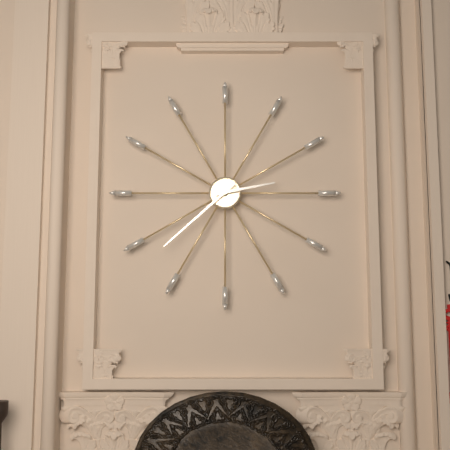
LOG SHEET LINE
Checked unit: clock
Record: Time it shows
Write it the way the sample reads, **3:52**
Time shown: **2:38**
